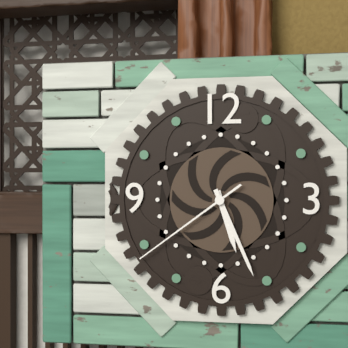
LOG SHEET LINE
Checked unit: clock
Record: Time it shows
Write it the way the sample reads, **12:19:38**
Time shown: **5:26:39**
